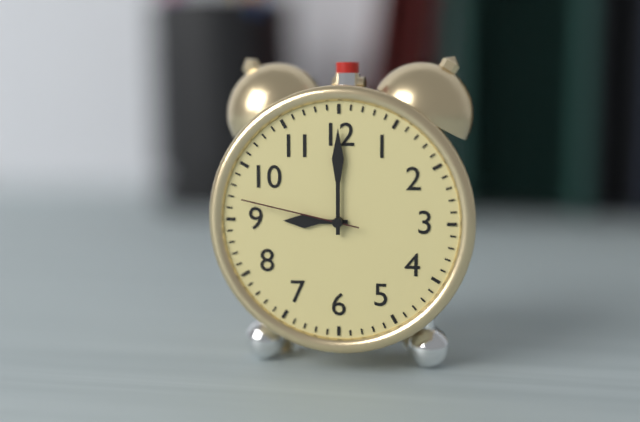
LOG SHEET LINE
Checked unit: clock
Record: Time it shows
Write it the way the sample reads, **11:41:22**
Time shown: **9:00:47**
